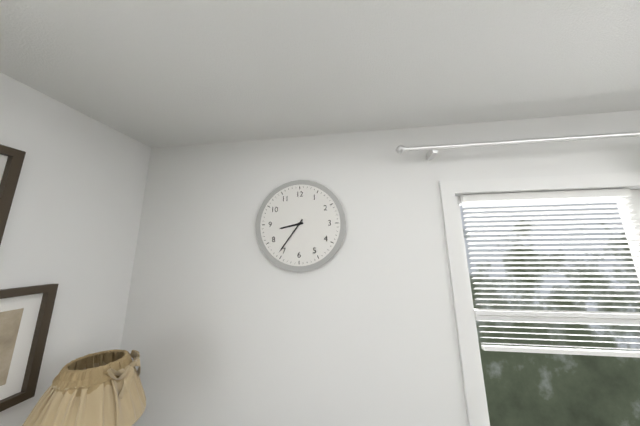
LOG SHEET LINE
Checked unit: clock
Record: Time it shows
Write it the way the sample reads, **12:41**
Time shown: **8:36**
